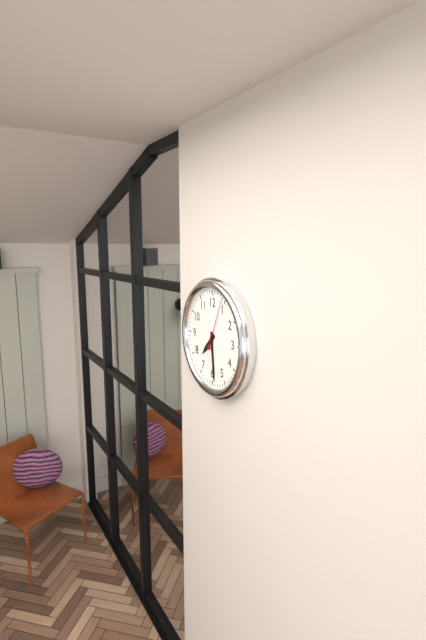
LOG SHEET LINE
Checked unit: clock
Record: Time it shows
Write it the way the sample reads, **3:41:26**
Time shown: **7:29:04**
